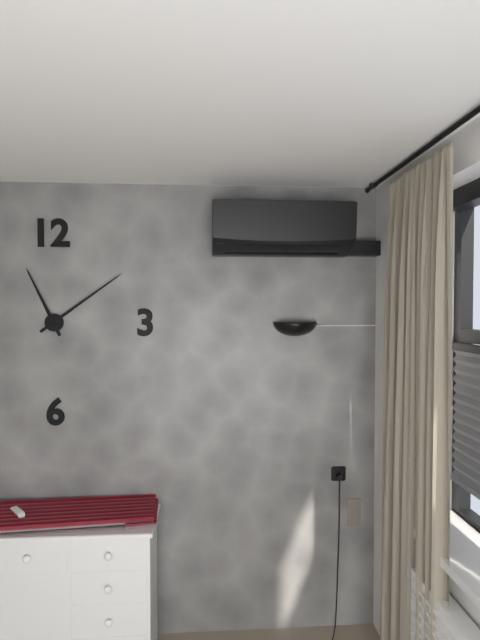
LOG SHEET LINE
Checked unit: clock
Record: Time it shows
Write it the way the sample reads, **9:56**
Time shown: **11:09**
